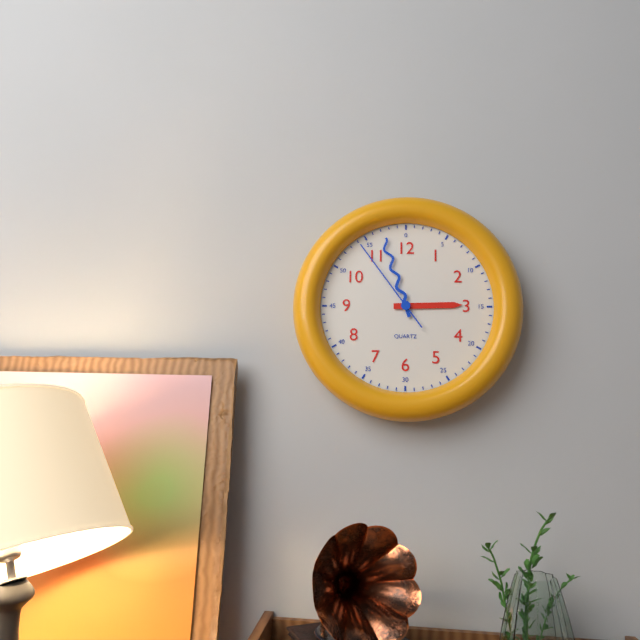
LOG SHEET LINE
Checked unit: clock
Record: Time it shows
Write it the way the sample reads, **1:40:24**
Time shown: **2:57:54**
